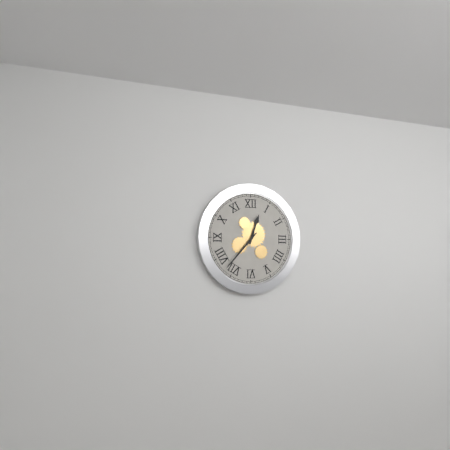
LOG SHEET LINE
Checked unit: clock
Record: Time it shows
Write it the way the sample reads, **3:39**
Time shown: **12:37**
